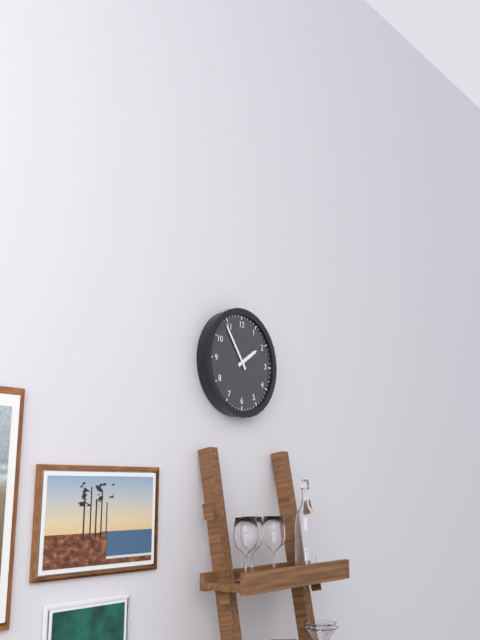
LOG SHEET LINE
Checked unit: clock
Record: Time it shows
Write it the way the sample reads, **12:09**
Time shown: **1:54**
